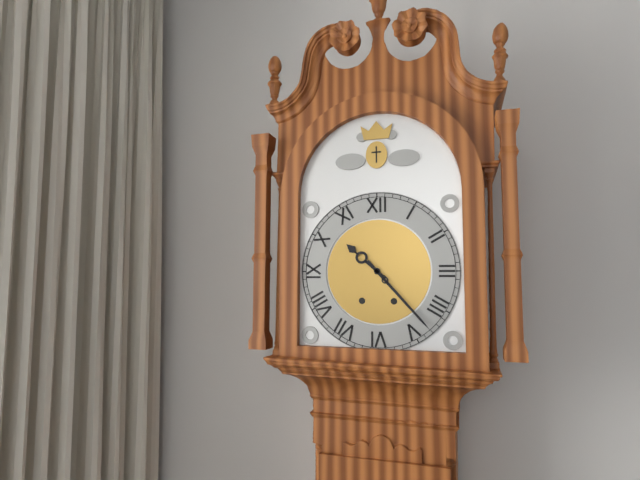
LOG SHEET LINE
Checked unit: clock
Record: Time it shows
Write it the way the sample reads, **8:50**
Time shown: **10:23**
